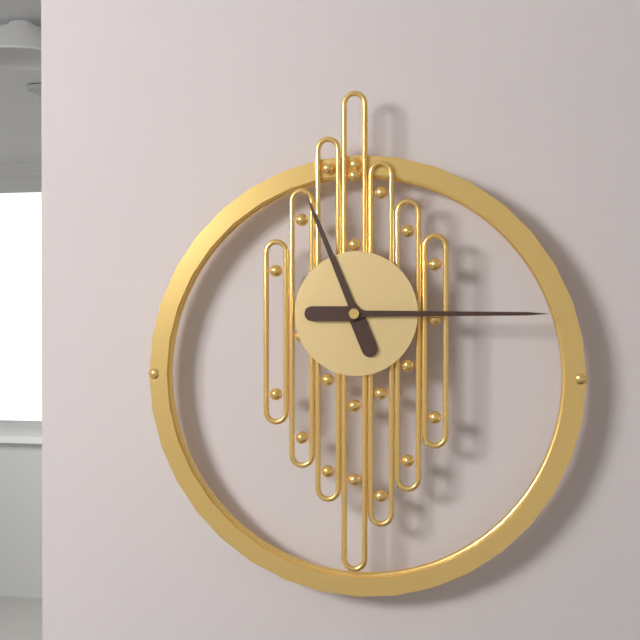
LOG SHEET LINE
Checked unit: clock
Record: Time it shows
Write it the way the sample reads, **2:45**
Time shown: **11:15**
